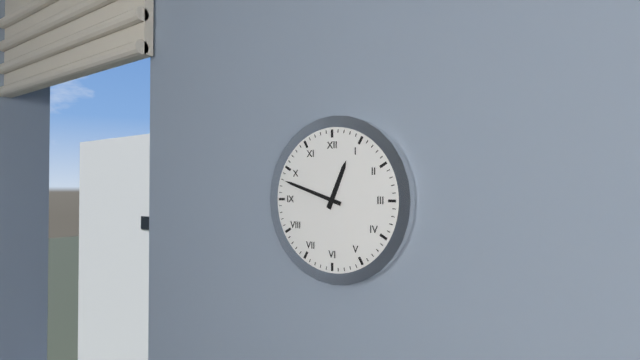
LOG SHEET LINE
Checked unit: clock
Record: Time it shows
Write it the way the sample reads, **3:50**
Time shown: **12:48**
